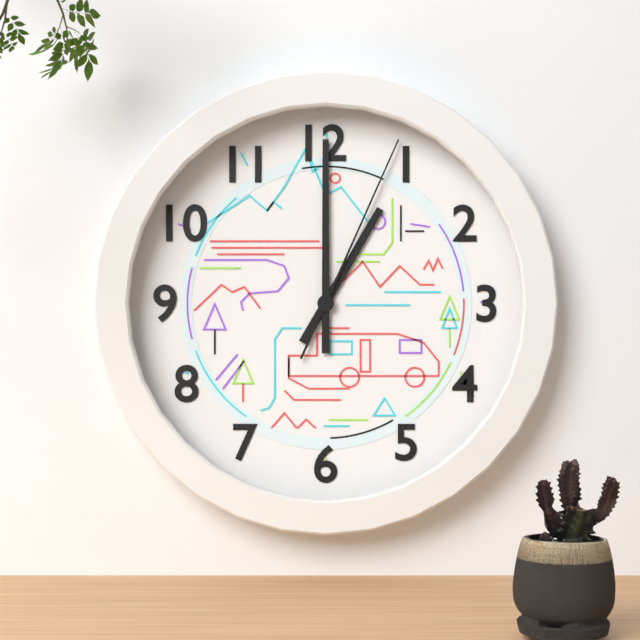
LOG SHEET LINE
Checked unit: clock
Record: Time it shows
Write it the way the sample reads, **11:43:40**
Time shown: **1:00:04**
